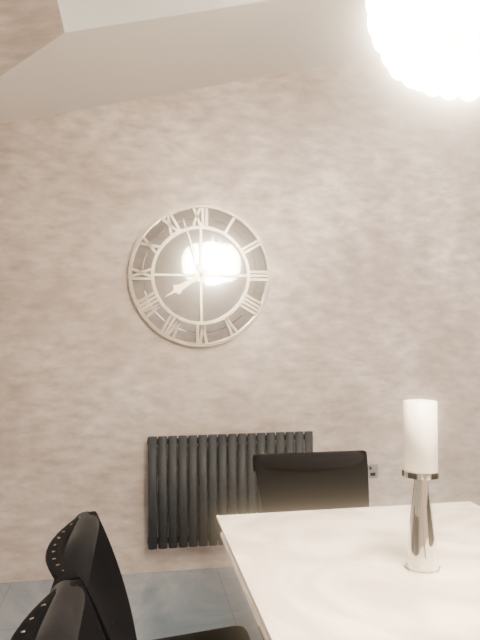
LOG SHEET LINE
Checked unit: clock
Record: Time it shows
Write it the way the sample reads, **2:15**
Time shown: **7:57**
